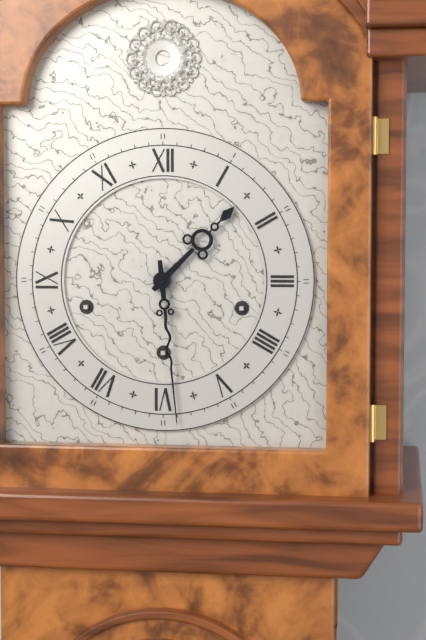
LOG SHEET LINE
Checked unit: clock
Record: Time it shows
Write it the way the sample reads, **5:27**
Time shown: **1:29**
